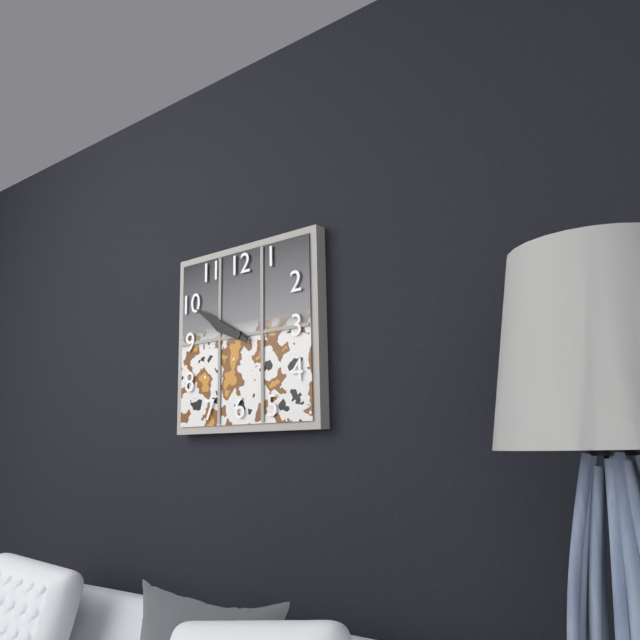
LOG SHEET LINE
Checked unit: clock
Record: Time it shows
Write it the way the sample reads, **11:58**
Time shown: **9:50**
